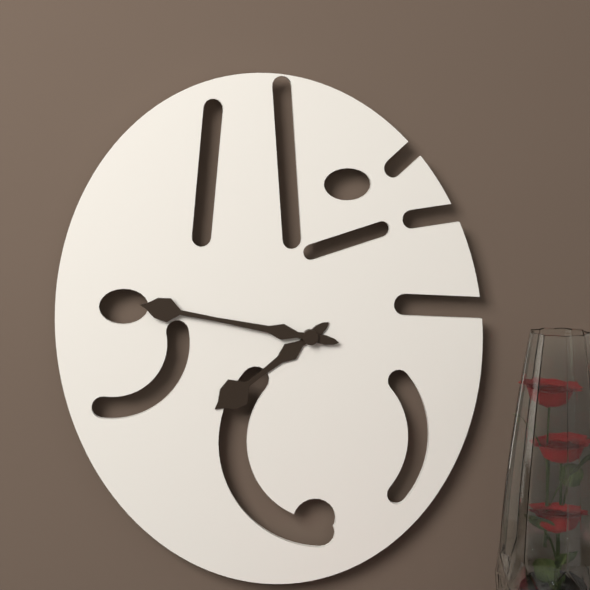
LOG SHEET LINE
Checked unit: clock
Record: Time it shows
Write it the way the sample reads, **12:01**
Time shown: **7:47**
